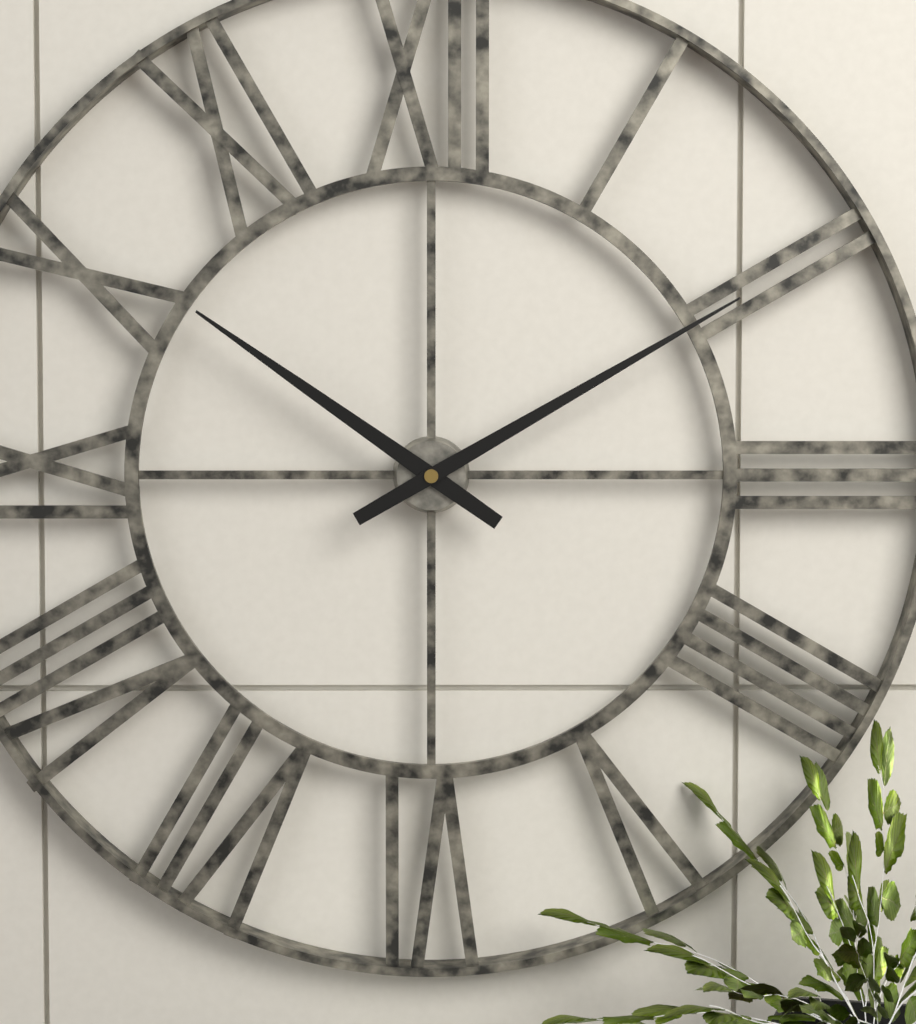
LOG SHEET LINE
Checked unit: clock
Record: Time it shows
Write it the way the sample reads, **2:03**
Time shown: **10:10**
